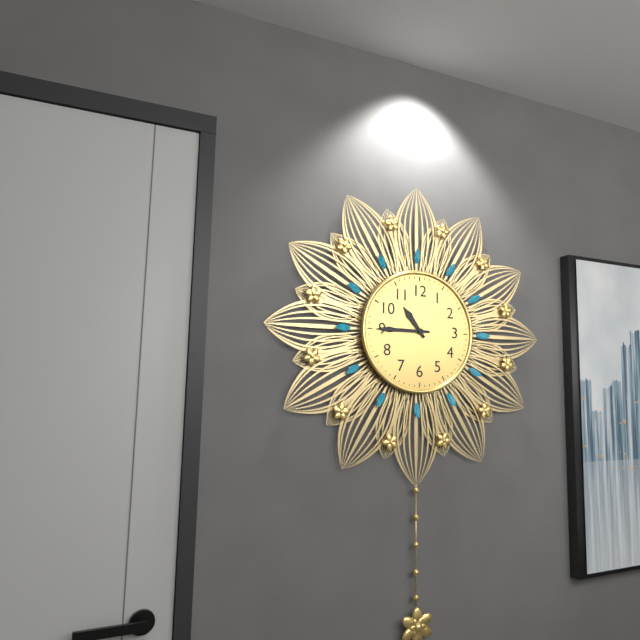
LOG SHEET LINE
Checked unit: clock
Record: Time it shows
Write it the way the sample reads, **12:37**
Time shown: **10:45**
